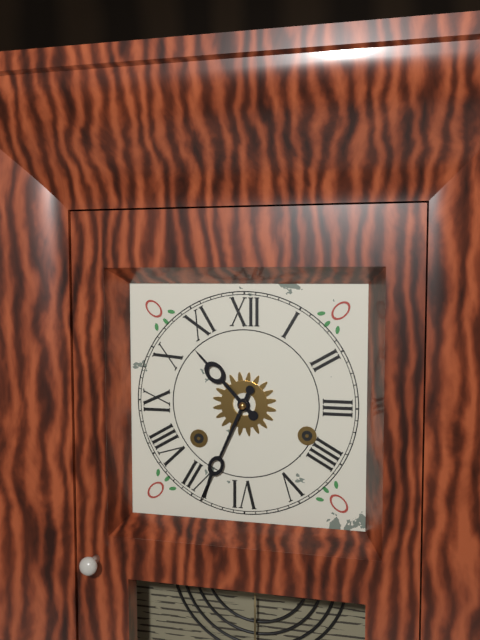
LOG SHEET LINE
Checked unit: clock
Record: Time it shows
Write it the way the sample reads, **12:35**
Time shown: **10:34**
